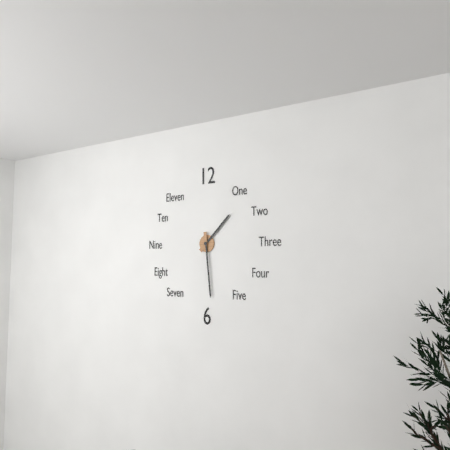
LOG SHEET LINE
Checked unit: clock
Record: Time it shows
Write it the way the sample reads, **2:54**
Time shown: **1:29**
